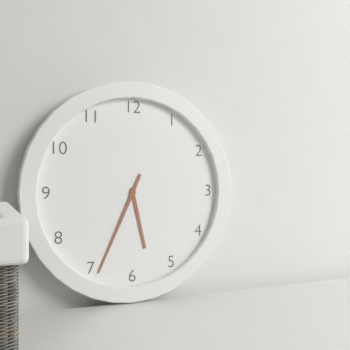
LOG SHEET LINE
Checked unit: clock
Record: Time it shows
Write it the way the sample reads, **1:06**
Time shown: **5:34**
